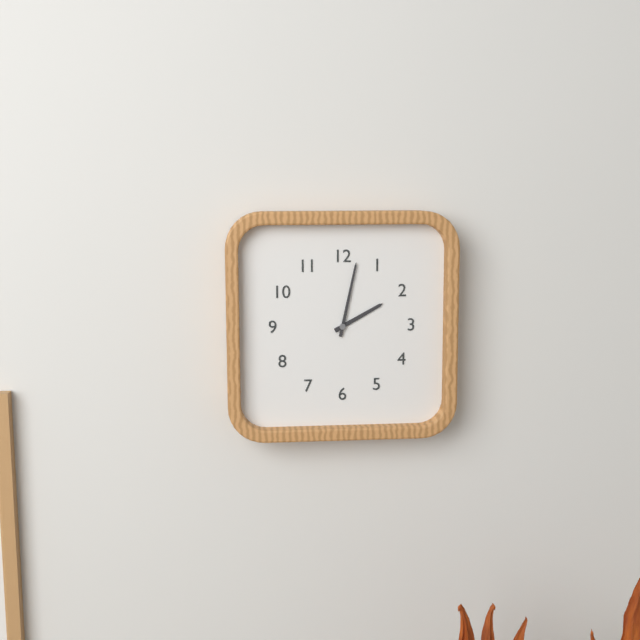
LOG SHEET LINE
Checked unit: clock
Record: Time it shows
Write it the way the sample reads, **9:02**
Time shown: **2:02**
